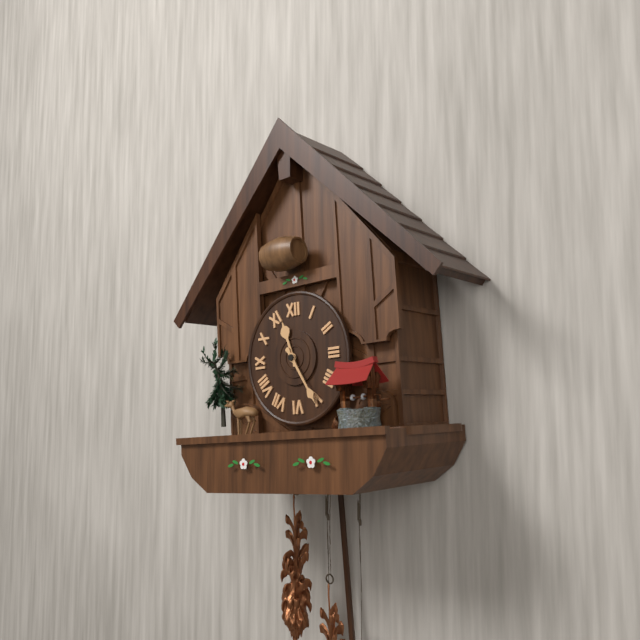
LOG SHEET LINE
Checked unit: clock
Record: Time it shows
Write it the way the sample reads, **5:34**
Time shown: **11:25**
